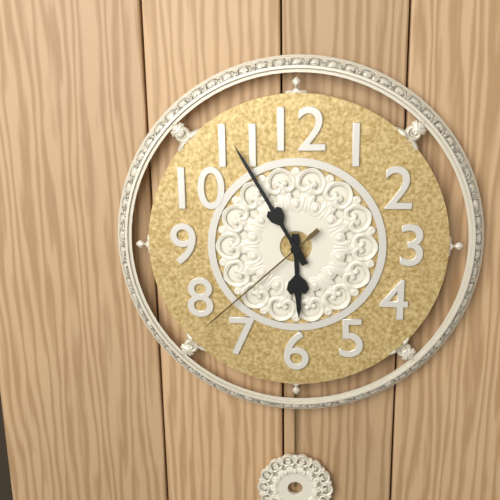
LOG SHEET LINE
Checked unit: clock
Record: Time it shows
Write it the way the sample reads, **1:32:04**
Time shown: **5:55:38**
